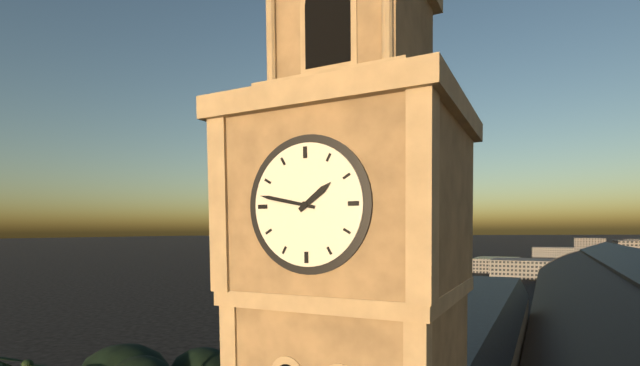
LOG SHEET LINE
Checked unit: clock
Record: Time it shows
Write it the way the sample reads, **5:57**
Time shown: **1:47**
